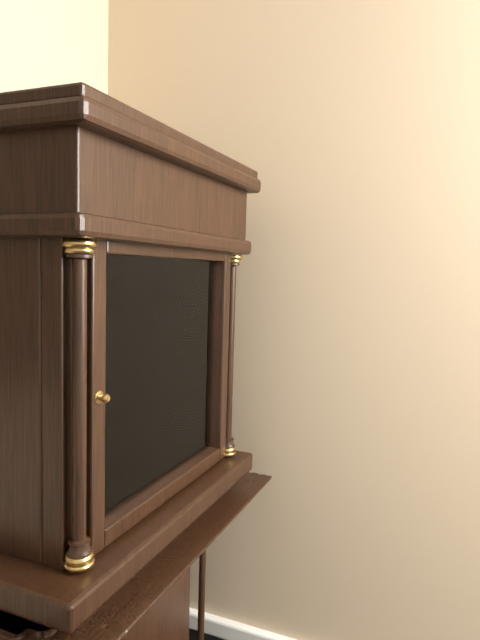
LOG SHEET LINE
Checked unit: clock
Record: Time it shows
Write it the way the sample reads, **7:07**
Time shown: **4:54**
